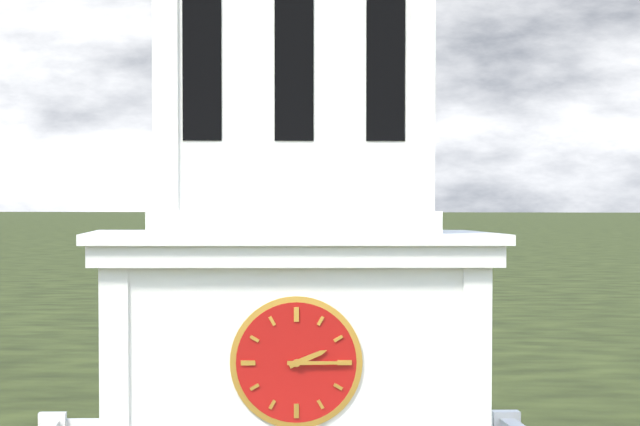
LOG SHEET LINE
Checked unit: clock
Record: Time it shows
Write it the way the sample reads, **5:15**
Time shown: **2:15**
